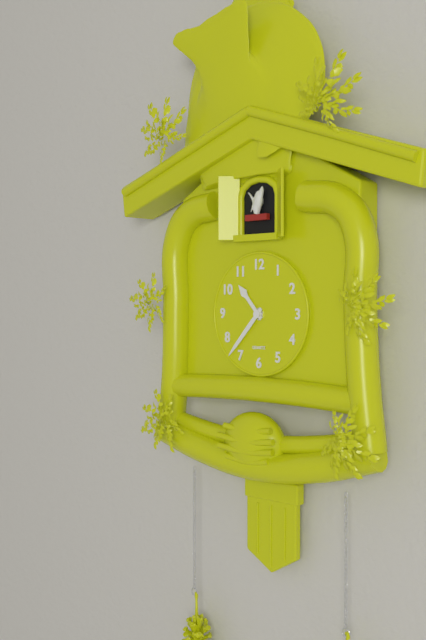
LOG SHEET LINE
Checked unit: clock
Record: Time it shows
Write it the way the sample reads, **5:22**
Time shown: **10:37**
